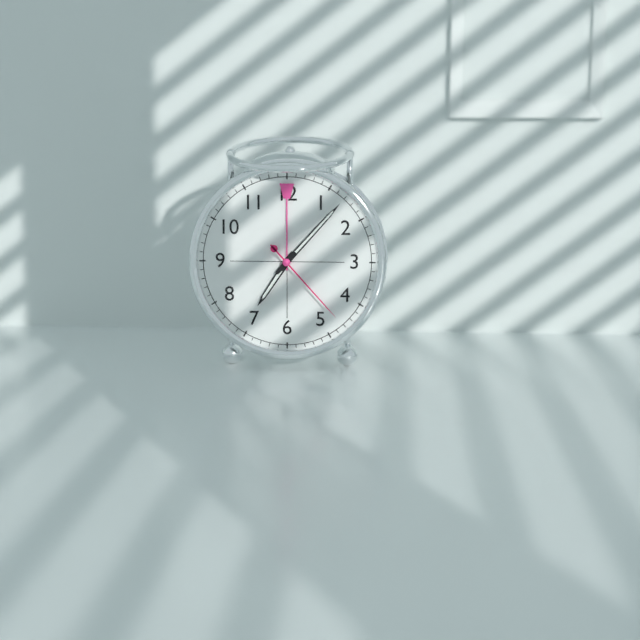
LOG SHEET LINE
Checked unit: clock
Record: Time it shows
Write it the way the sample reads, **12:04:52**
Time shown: **7:07:23**
